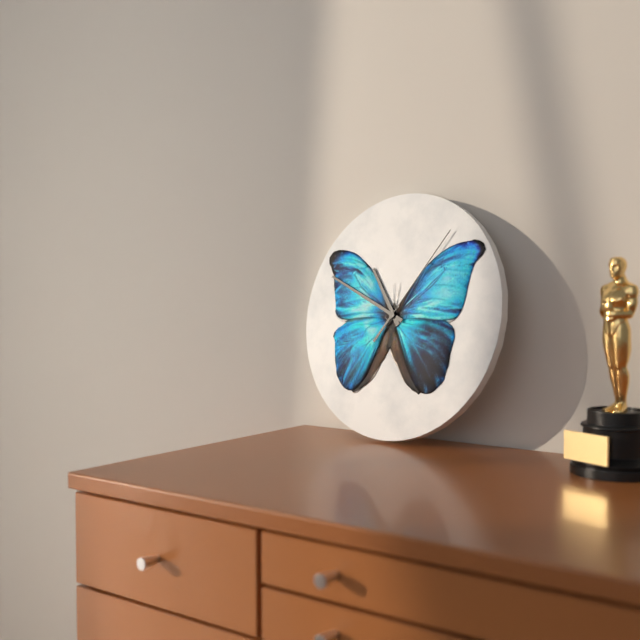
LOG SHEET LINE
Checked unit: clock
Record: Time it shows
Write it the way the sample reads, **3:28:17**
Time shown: **10:49:06**
